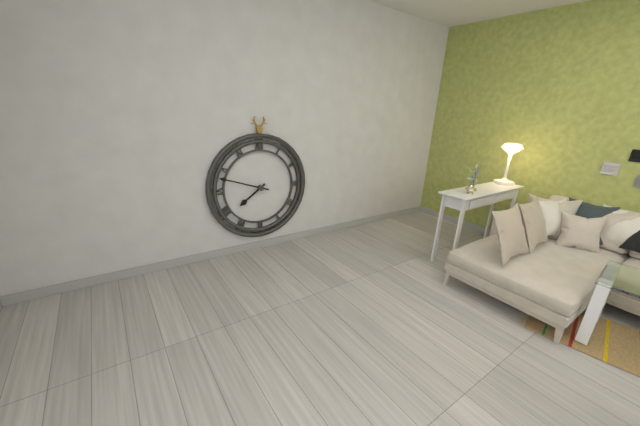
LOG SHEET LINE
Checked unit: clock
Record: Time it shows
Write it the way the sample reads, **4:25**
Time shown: **7:48**
